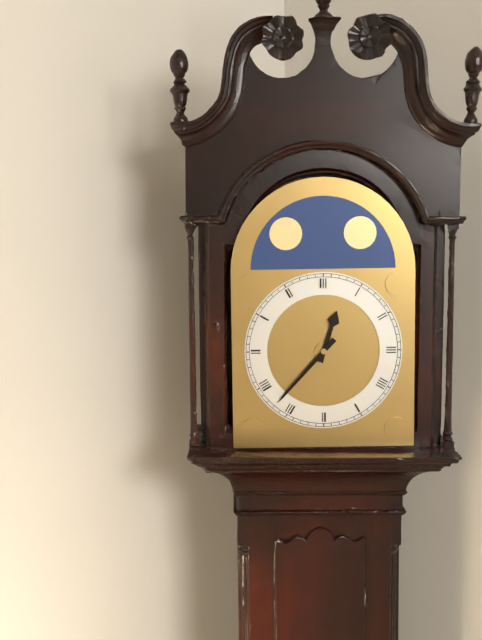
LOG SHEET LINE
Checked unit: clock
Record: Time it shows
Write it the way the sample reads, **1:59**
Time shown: **12:37**
